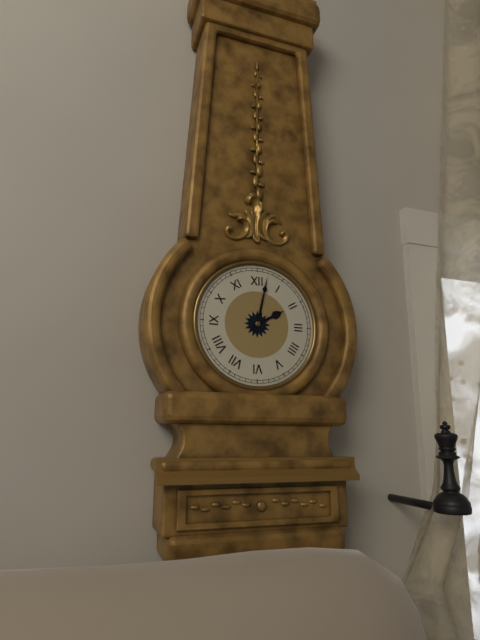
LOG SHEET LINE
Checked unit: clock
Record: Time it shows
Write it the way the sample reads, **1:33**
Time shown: **2:02**
